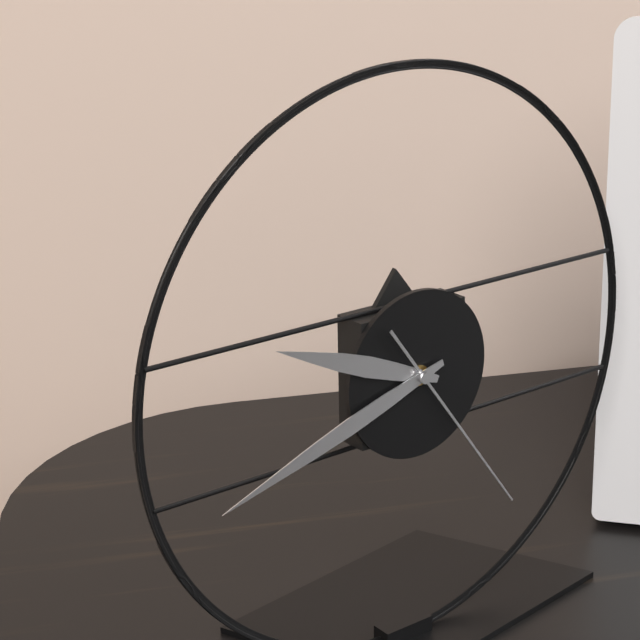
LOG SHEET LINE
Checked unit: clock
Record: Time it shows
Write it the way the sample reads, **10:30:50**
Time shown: **9:42:24**
